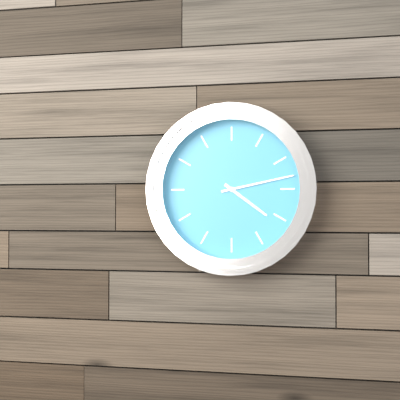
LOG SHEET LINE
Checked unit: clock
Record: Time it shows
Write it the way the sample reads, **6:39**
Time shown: **4:13**
